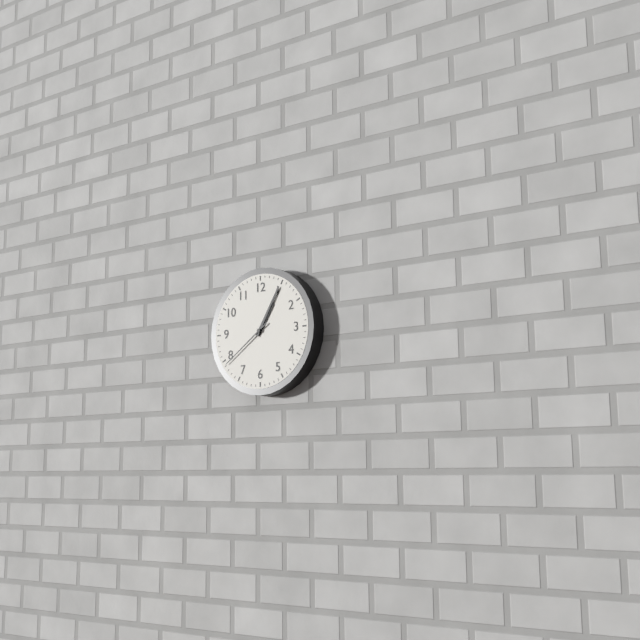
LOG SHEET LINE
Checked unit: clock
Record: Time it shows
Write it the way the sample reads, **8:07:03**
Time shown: **1:05:39**
